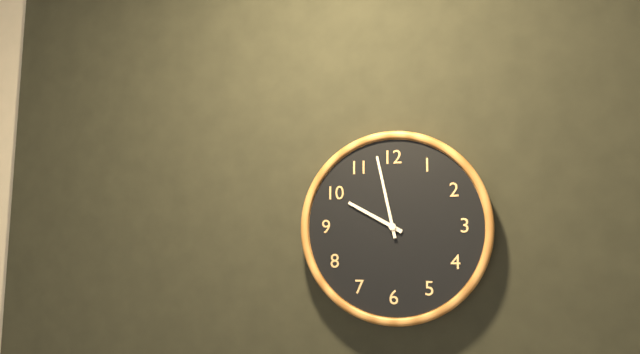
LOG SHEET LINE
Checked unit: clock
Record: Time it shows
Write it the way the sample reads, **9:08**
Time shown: **9:58**
